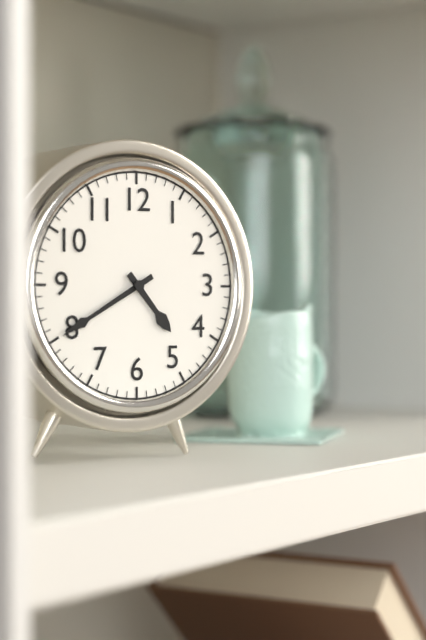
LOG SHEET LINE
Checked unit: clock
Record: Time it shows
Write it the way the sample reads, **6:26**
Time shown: **4:40**
